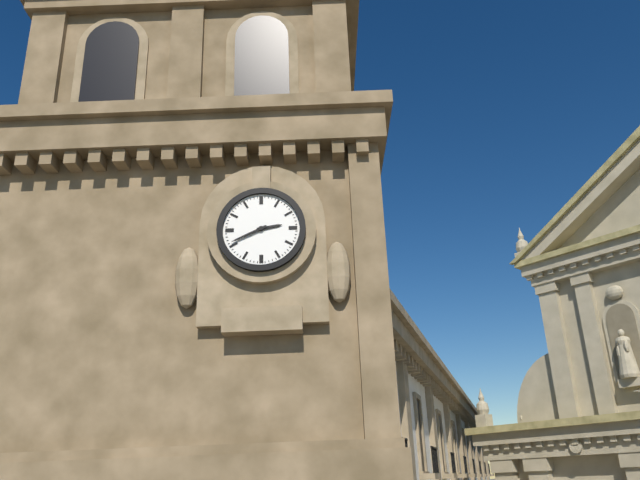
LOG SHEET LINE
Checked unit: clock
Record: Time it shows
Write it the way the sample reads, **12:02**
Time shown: **2:41**
